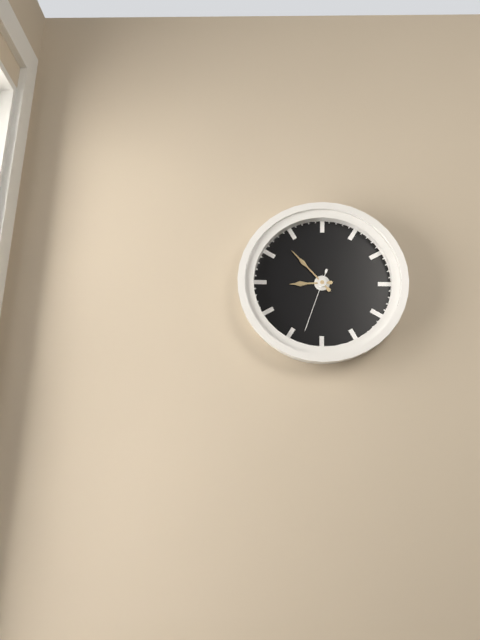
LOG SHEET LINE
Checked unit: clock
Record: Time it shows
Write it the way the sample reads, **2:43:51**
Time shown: **8:53:33**
